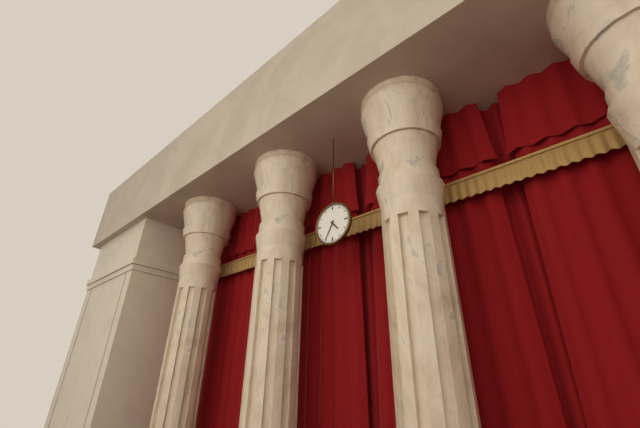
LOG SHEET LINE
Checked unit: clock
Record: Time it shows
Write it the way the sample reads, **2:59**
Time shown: **4:35**
